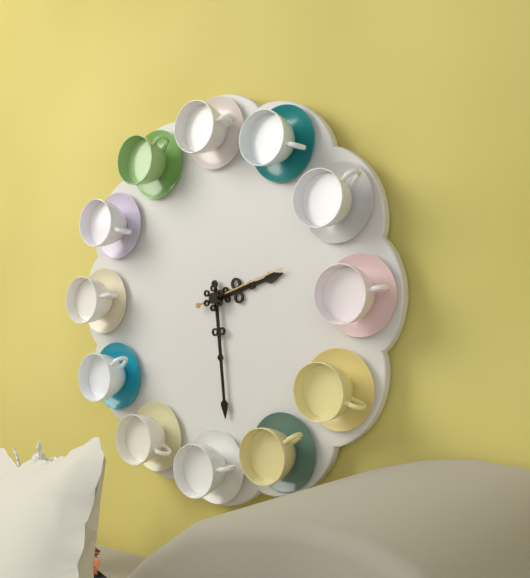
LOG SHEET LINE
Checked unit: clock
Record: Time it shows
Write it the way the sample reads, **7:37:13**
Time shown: **2:29:12**
